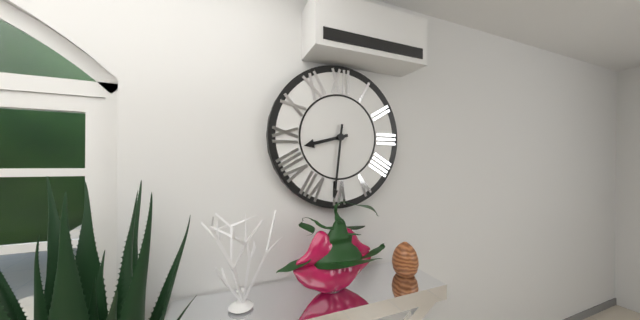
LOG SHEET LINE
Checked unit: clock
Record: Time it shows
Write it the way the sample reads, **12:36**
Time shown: **8:31**
